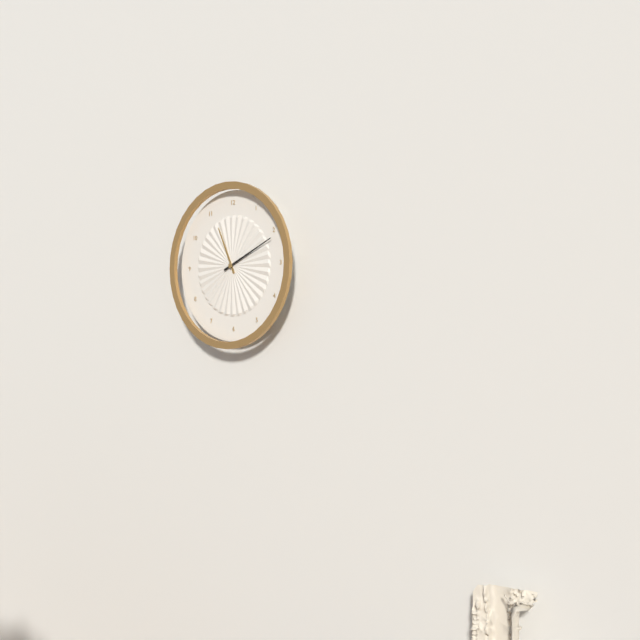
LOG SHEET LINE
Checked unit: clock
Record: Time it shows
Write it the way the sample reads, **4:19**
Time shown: **11:11**
